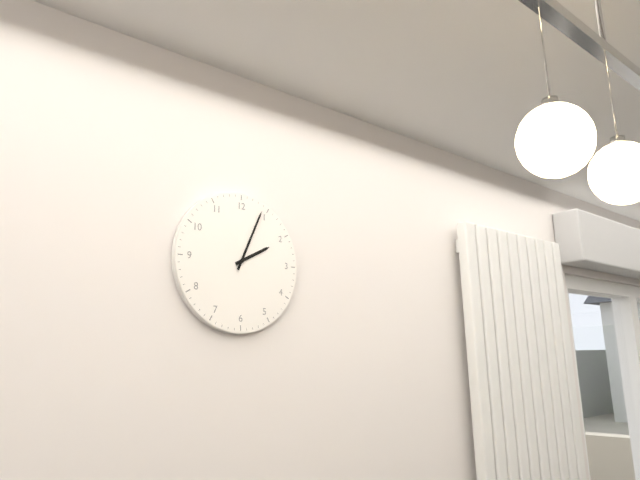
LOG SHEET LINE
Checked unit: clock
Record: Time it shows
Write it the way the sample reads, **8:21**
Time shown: **2:04**
